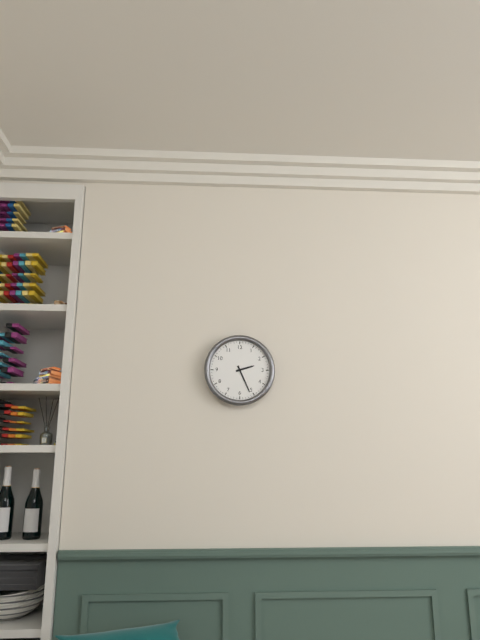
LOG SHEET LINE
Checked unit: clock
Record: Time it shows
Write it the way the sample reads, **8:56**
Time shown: **2:26**
